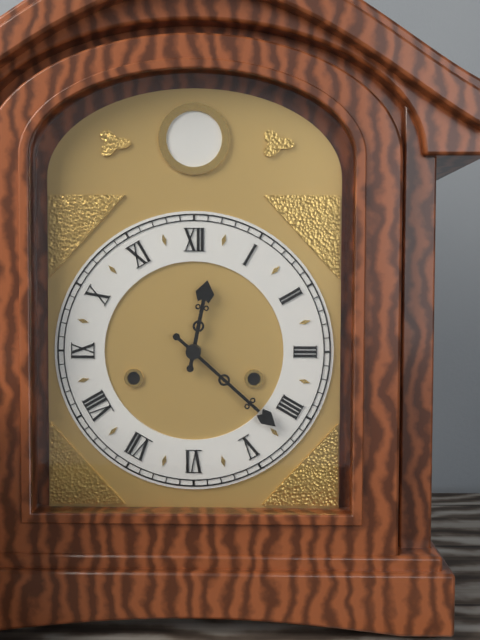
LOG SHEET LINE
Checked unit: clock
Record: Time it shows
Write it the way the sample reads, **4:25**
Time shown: **12:22**
